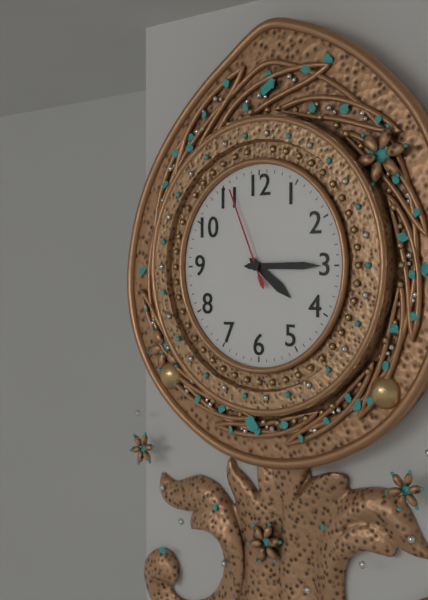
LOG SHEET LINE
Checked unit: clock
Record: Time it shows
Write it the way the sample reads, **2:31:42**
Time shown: **4:15:56**
